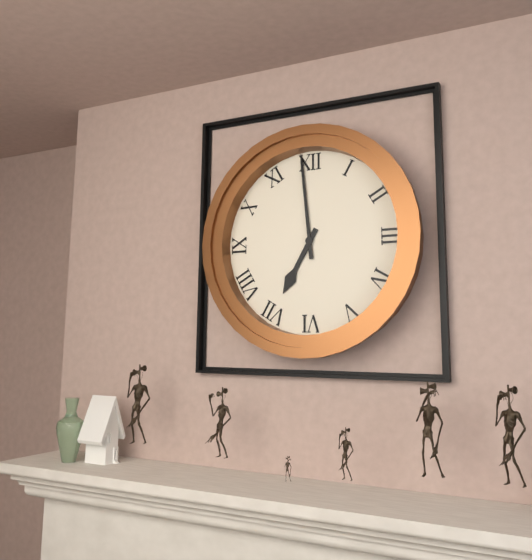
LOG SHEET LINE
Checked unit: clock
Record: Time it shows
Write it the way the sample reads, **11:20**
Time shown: **6:59**
